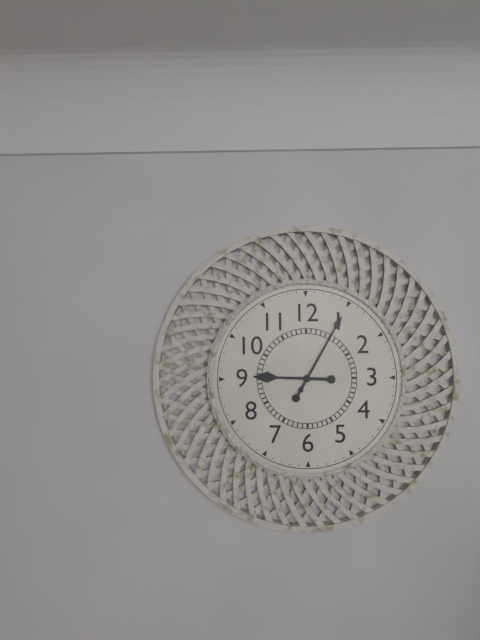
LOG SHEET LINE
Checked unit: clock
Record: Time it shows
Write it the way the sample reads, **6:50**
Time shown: **9:05**
